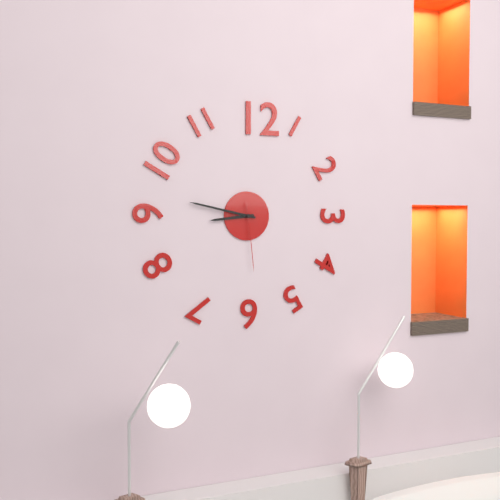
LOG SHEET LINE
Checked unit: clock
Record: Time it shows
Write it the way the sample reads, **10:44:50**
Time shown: **8:47:29**
